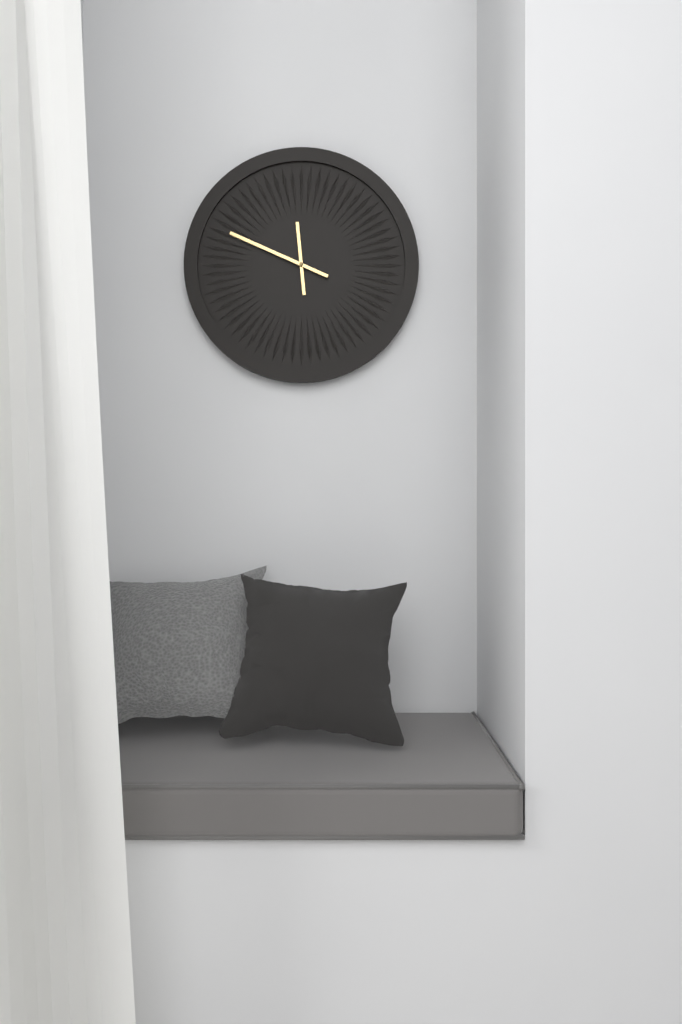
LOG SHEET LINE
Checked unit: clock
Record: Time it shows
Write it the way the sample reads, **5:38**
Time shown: **11:49**
